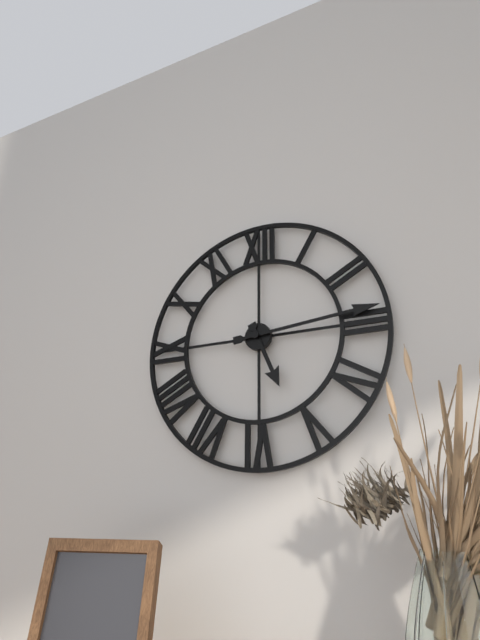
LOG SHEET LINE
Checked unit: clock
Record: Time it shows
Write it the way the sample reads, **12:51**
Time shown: **5:14**
